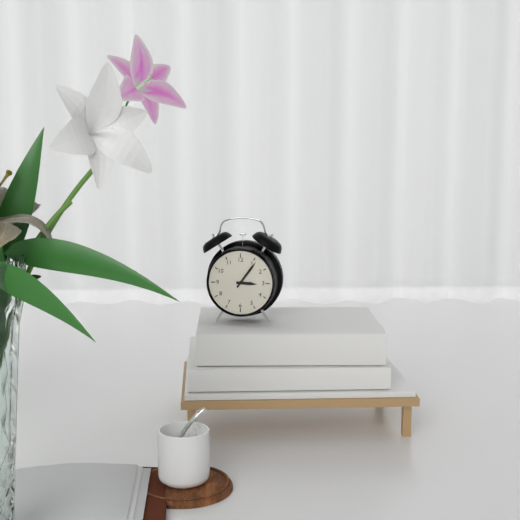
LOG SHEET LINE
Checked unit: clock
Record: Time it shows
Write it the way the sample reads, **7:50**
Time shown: **3:06**
